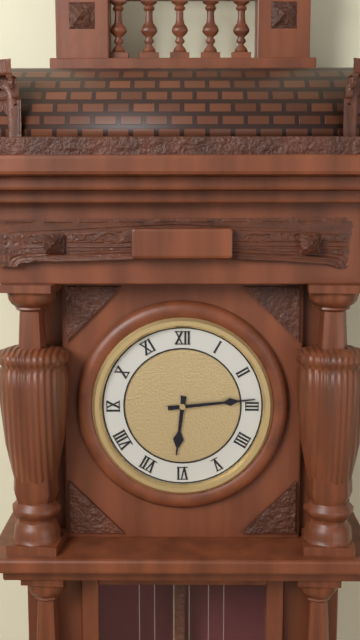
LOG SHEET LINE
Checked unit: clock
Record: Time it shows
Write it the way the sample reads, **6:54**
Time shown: **6:14**
